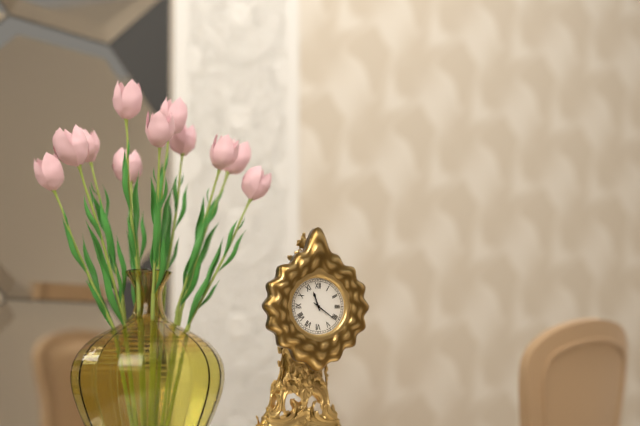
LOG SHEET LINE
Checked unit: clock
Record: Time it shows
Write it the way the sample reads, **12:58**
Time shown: **11:21**
